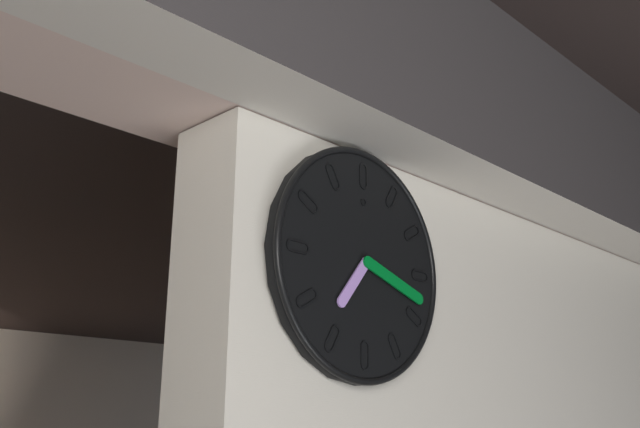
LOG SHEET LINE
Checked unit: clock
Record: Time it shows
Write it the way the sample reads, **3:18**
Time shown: **7:18**
